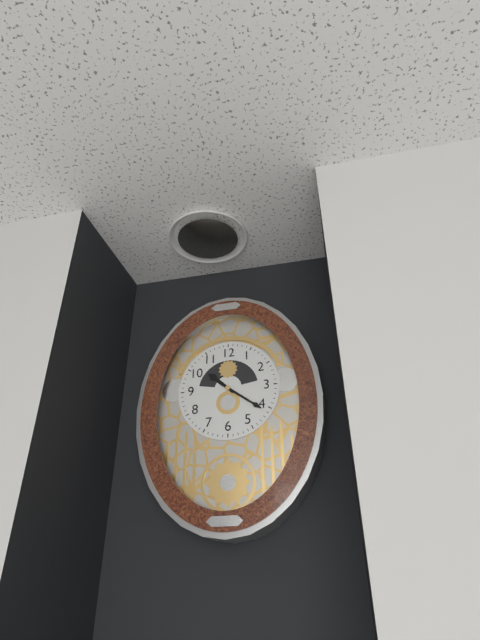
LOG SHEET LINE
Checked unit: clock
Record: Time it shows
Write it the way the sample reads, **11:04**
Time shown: **10:21**
